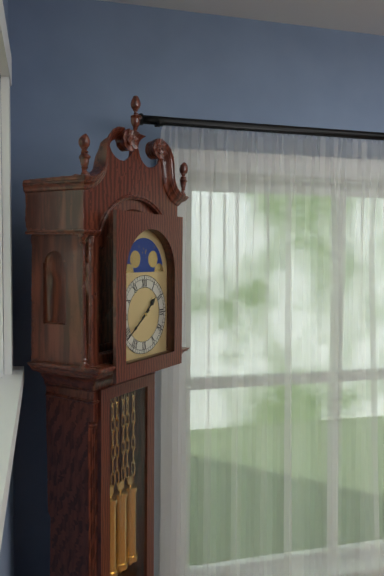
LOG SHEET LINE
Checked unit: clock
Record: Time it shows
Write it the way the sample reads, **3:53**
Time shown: **1:39**
